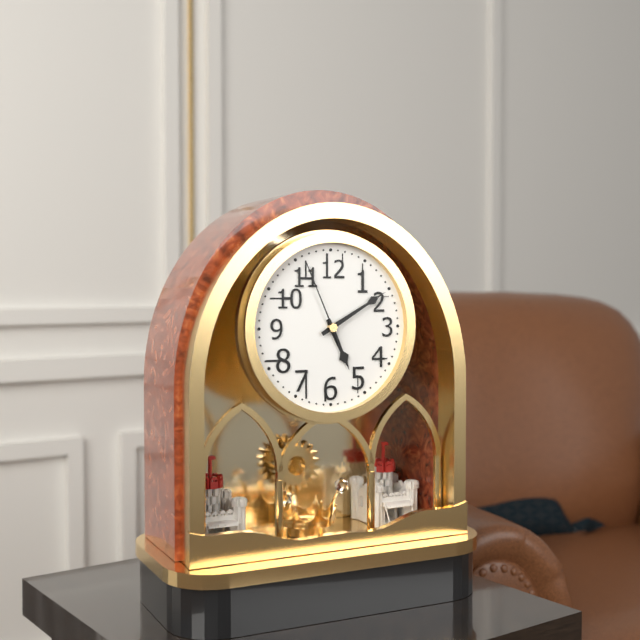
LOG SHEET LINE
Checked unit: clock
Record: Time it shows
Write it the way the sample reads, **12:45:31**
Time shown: **5:10:56**
